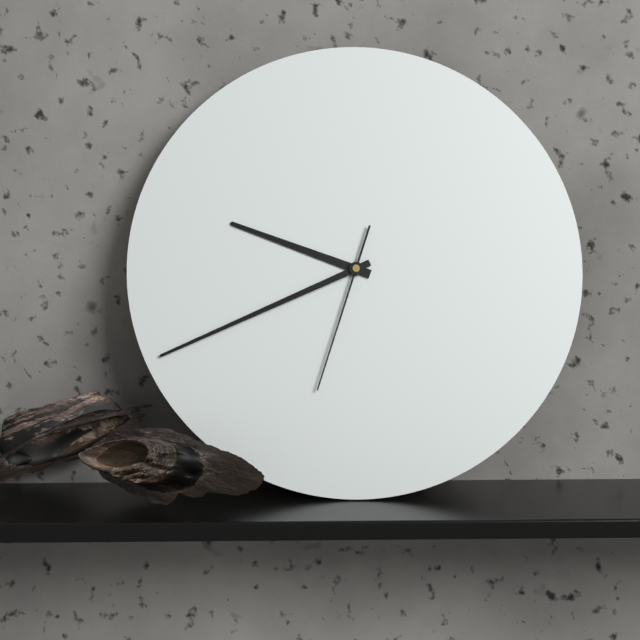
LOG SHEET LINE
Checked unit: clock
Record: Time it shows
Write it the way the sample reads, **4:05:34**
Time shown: **9:41:33**
